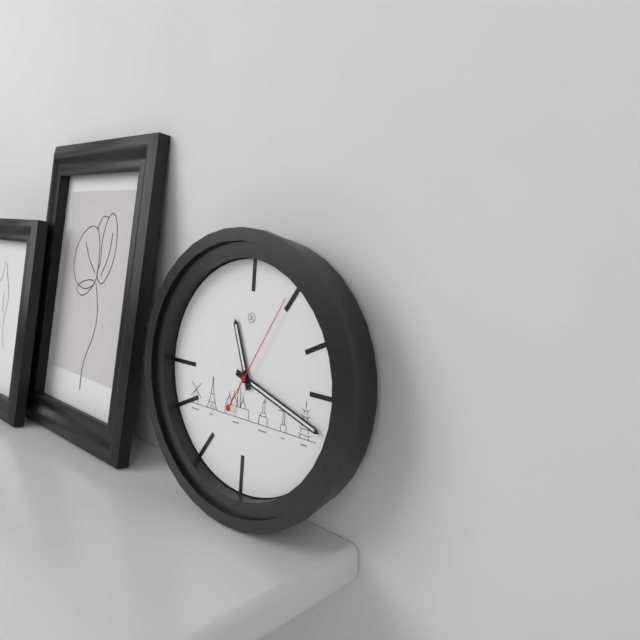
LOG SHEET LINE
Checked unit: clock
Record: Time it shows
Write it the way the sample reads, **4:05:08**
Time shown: **11:18:05**
